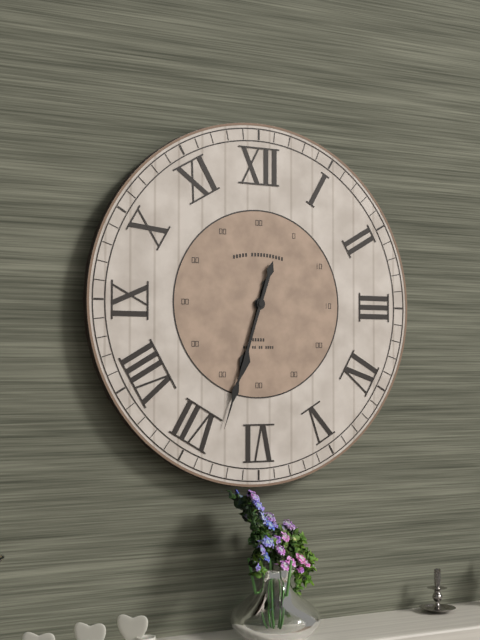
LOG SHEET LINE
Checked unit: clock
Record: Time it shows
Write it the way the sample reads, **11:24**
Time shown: **6:33**
